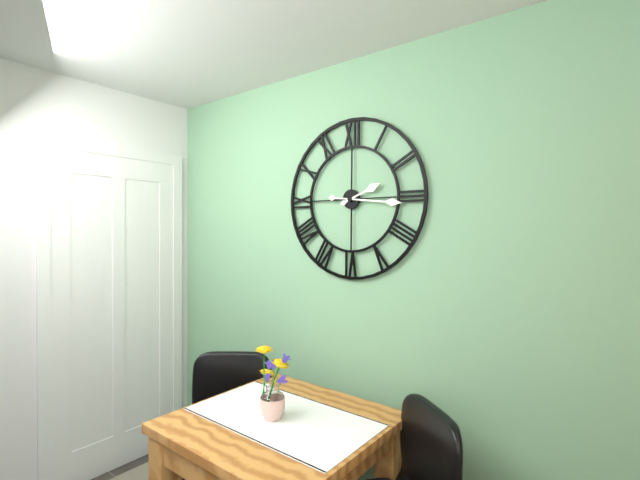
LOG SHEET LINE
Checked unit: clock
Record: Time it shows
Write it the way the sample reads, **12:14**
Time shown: **2:16**
